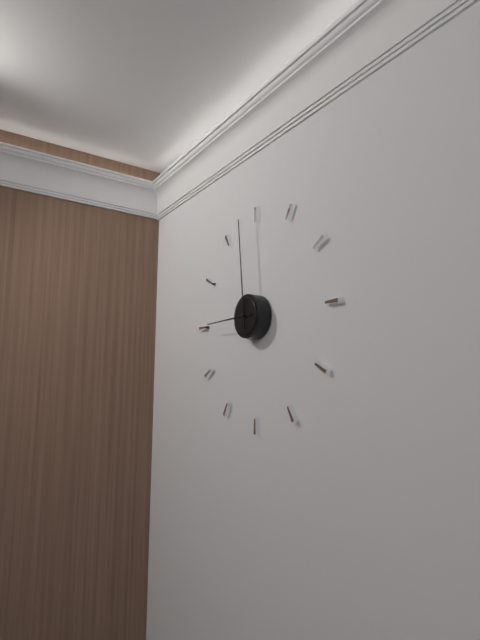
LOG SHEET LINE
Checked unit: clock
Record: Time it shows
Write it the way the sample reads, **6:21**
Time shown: **8:59**
